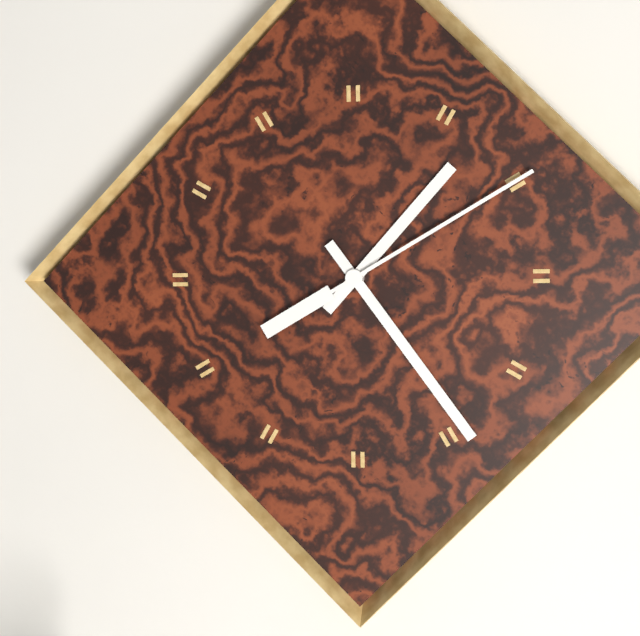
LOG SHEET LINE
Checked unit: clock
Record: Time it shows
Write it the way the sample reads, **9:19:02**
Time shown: **1:24:10**
